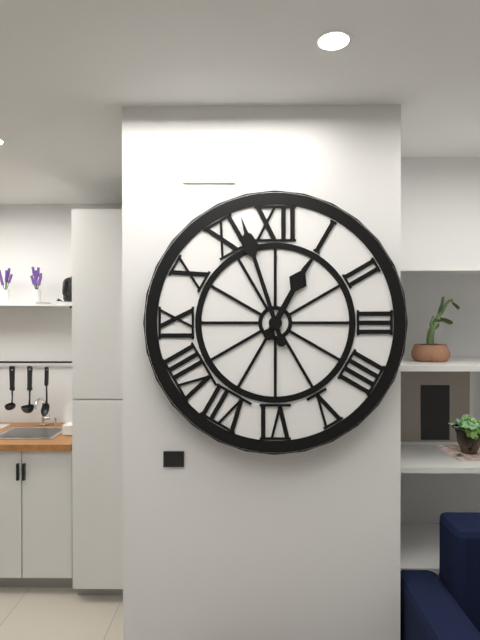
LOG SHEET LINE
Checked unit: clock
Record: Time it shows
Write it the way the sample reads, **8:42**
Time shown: **12:57**
